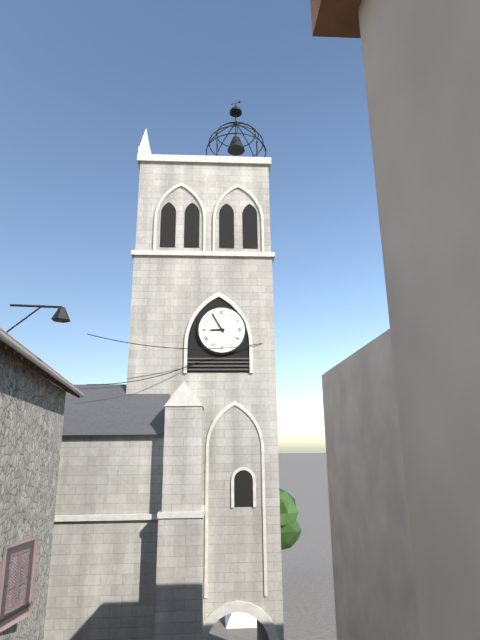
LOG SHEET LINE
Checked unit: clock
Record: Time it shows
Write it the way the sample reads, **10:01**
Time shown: **8:55**
